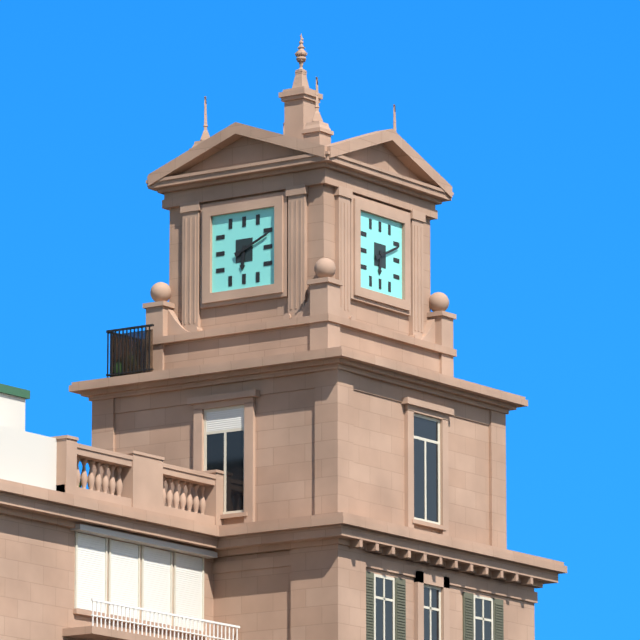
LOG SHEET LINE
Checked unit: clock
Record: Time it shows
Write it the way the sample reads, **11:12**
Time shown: **6:11**
